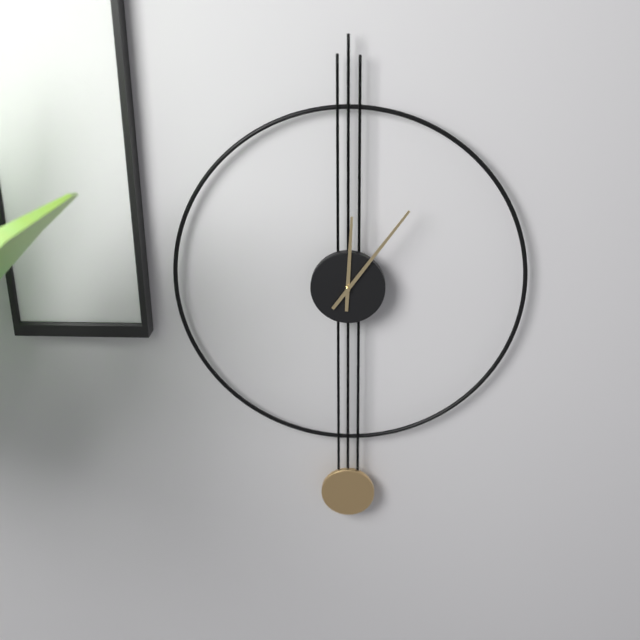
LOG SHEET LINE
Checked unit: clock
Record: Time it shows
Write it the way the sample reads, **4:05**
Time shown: **12:06**
